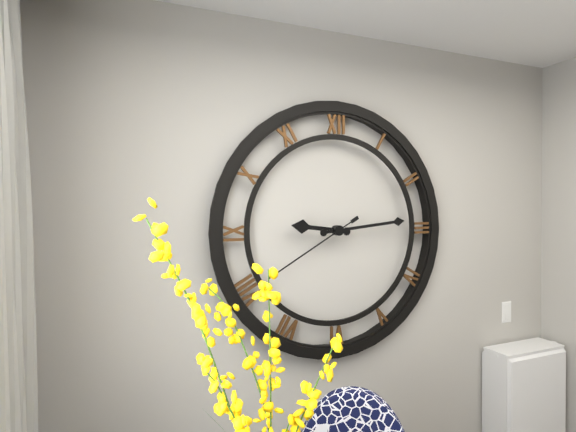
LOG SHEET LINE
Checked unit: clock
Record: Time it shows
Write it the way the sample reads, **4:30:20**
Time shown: **9:14:40**
